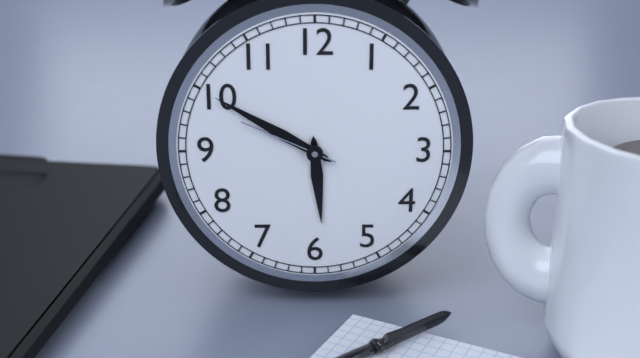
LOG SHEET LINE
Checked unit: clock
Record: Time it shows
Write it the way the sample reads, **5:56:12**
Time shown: **5:50:49**
